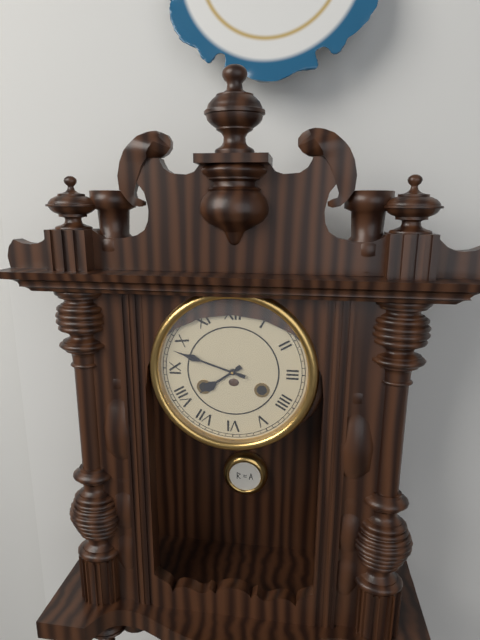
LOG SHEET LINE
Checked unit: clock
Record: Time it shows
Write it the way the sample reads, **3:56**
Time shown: **7:48**
